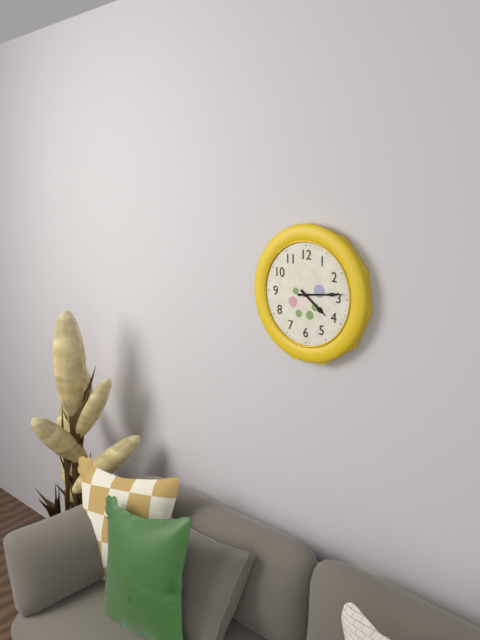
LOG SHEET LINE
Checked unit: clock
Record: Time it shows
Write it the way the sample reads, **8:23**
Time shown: **4:14**
